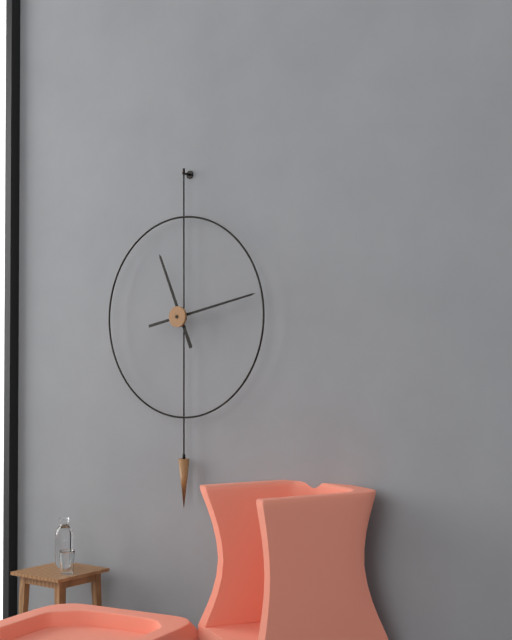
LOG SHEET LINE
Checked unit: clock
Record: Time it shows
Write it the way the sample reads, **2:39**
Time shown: **11:13**
